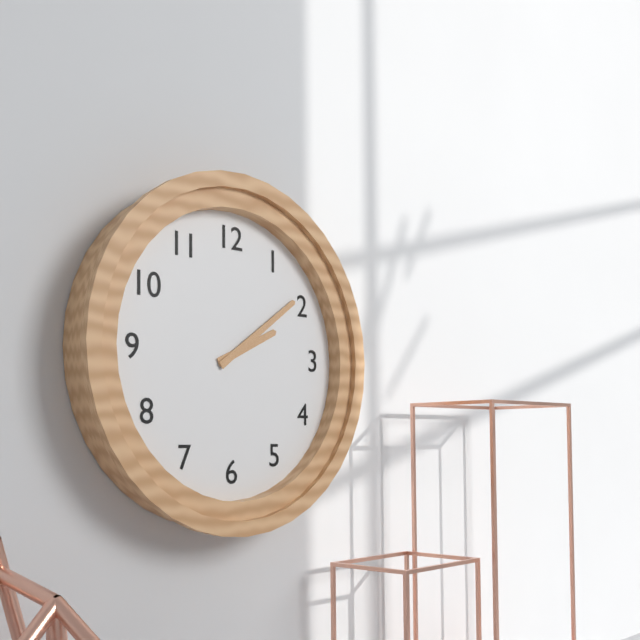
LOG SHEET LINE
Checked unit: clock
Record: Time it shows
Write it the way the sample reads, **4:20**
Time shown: **2:09**
